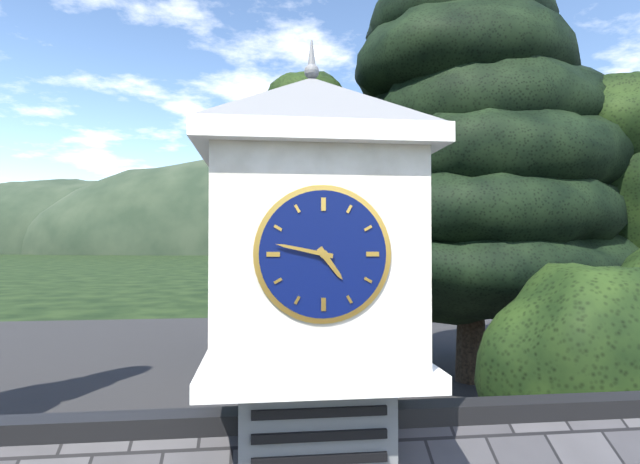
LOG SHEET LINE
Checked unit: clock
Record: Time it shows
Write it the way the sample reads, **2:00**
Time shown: **4:47**
